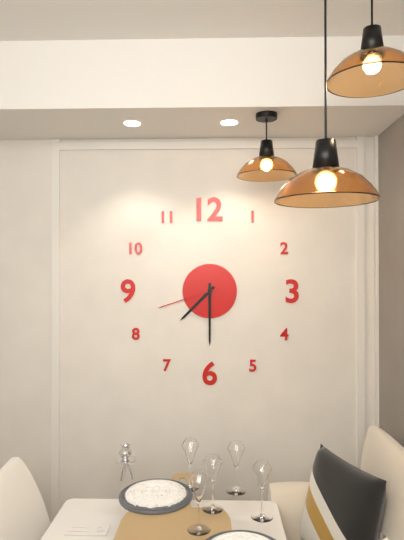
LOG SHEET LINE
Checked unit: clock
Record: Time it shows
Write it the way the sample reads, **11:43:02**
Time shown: **7:30:42**
